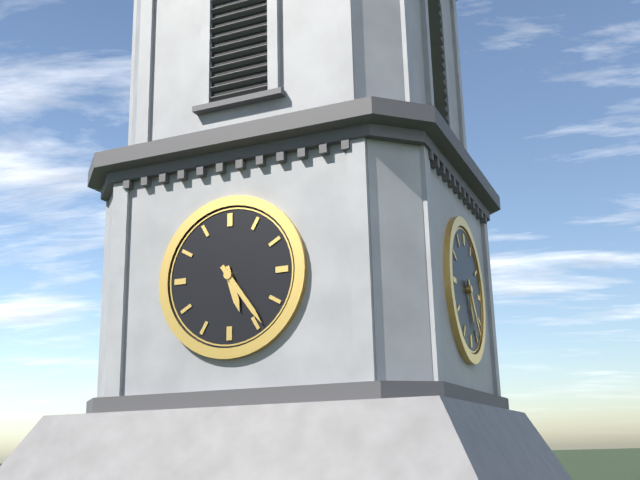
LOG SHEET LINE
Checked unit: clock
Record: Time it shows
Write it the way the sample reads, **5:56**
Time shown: **5:24**
